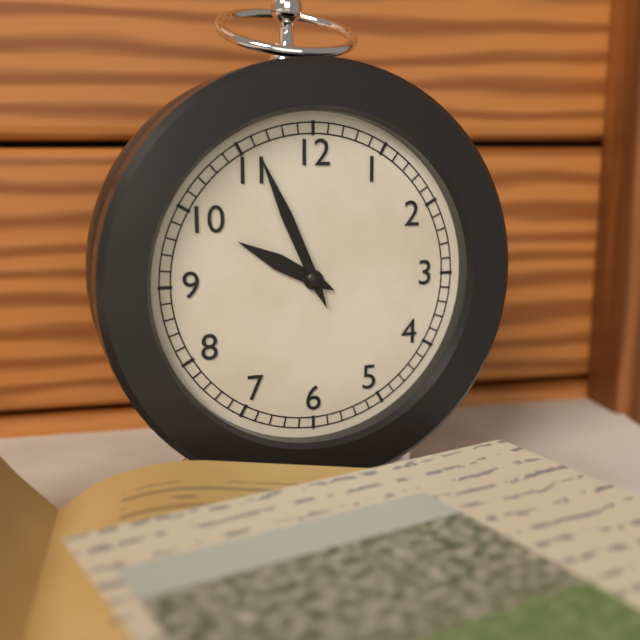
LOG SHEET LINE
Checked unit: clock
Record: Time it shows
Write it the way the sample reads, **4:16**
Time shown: **9:56**
